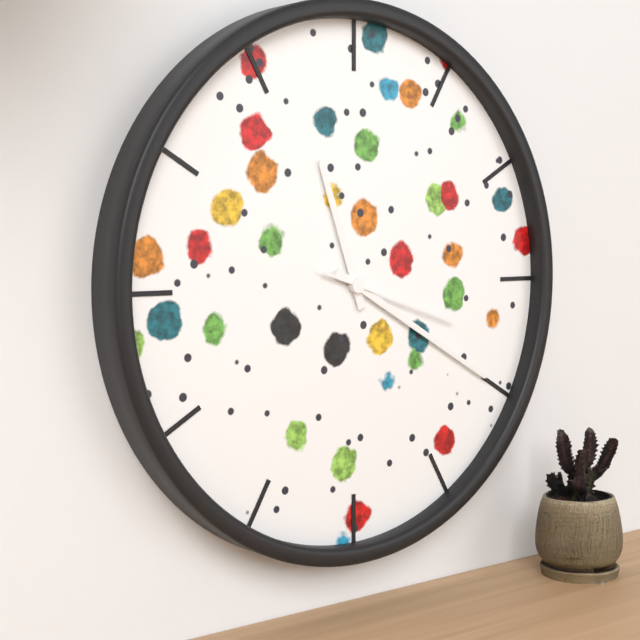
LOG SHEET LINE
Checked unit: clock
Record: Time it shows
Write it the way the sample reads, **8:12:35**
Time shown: **11:20:18**
